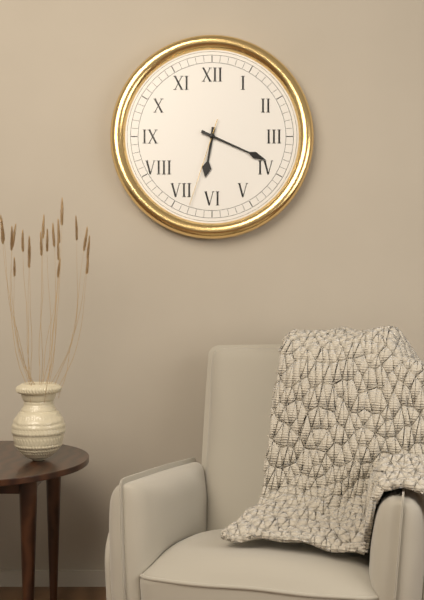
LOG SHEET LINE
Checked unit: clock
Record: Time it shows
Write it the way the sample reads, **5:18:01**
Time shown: **6:19:33**
